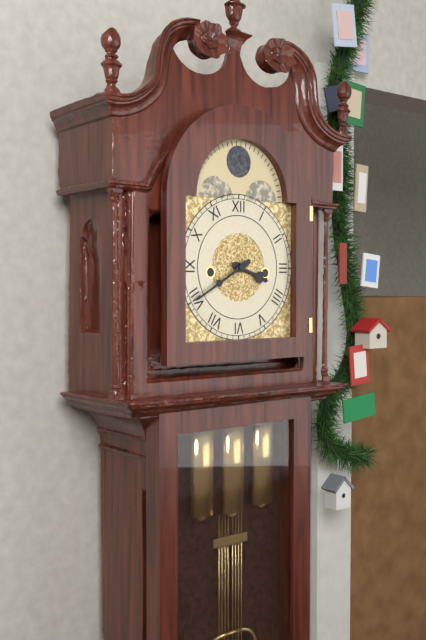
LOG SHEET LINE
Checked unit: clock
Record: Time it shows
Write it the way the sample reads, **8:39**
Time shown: **3:40**
